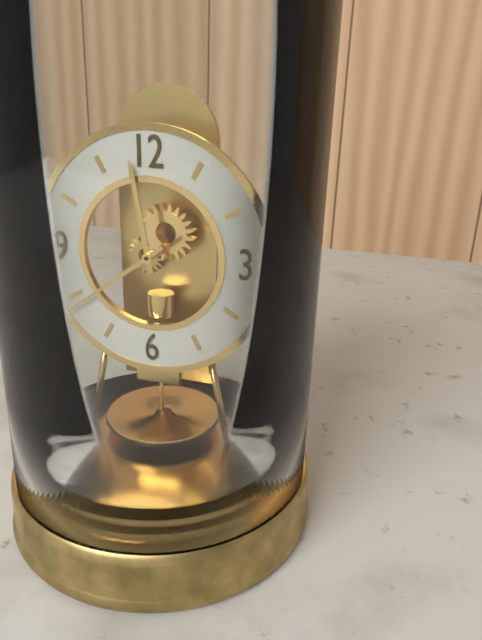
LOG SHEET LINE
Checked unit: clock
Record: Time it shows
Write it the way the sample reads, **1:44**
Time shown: **11:39**
